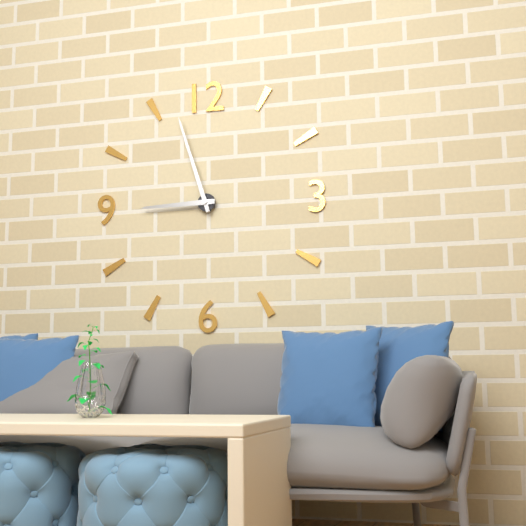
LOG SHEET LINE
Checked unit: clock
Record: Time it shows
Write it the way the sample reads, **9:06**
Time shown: **8:57**
